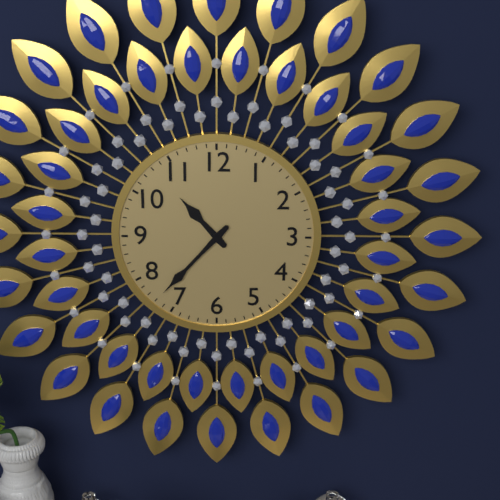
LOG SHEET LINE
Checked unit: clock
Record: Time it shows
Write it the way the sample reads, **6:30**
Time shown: **10:37**
